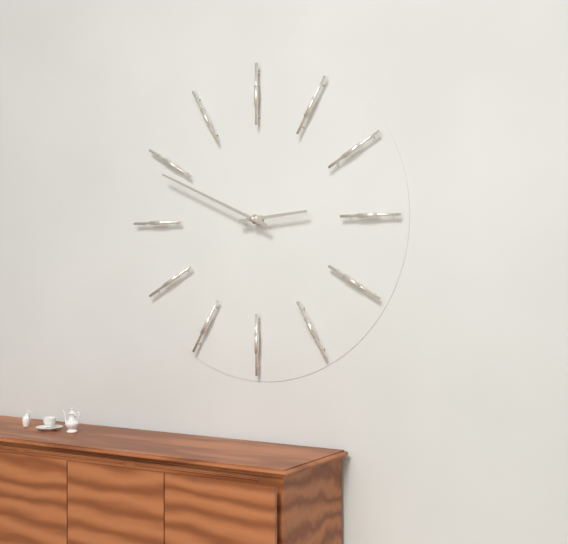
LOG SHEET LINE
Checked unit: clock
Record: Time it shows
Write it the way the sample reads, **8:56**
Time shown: **2:49**
